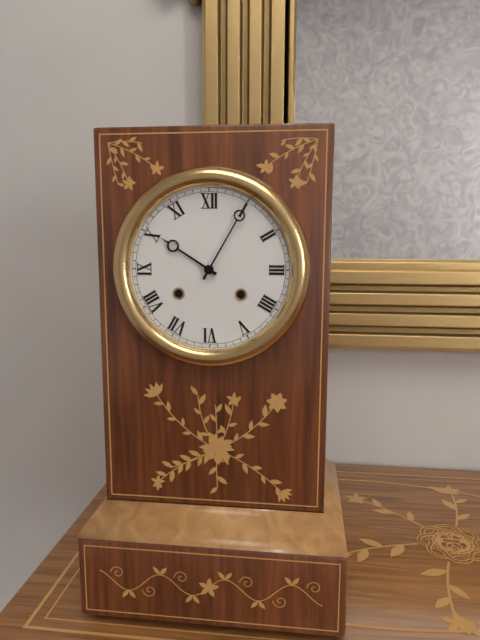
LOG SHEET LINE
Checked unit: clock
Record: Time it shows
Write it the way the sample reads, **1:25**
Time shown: **10:05**
